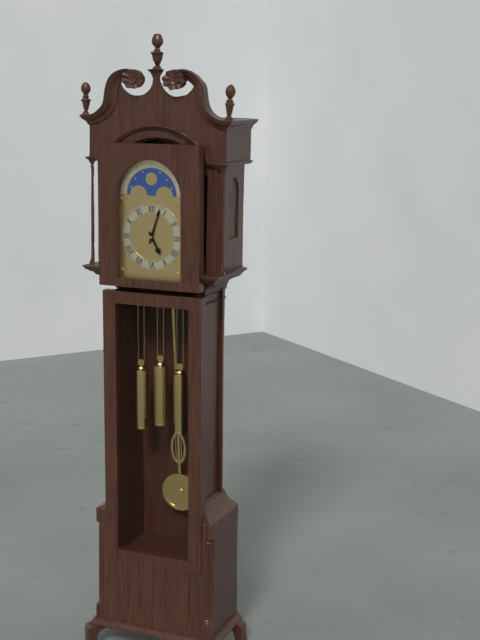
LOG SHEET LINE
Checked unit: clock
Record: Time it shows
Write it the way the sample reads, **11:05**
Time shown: **5:03**
